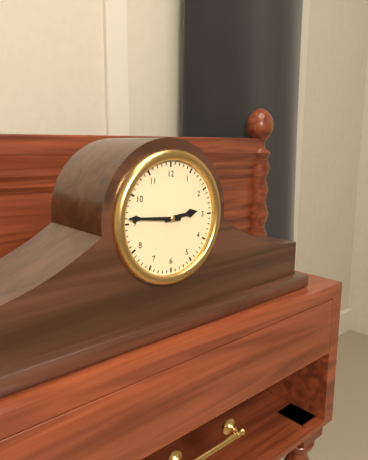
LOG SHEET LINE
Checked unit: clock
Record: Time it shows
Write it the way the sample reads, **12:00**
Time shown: **2:46**
